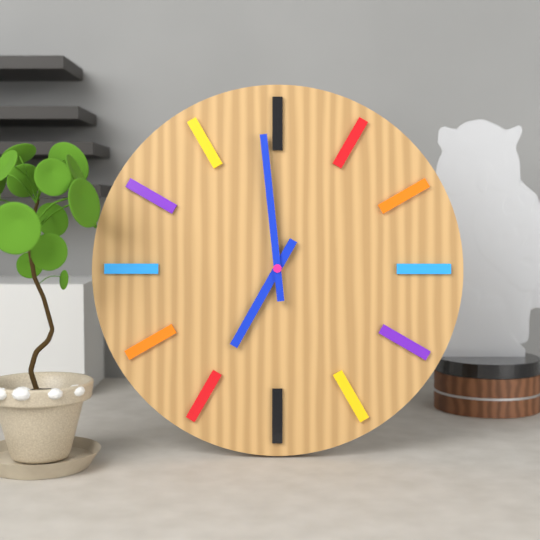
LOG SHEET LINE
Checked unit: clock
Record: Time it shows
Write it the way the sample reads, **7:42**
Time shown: **6:59**
